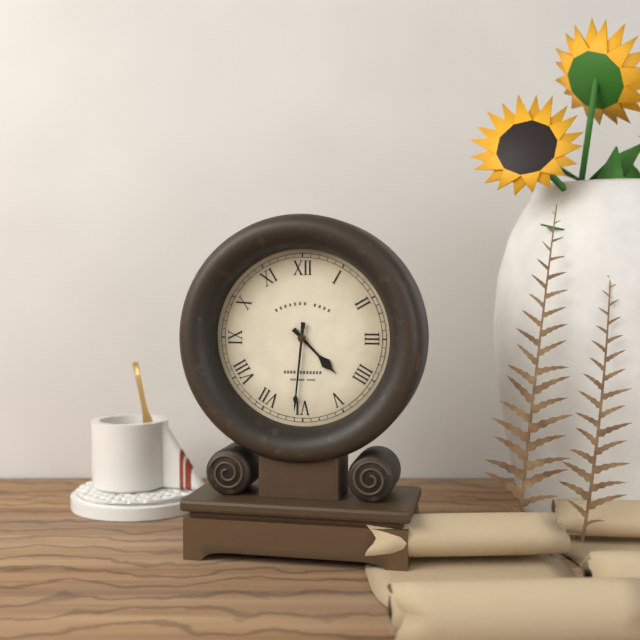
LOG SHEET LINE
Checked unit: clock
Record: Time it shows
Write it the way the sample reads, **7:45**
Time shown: **4:31**
